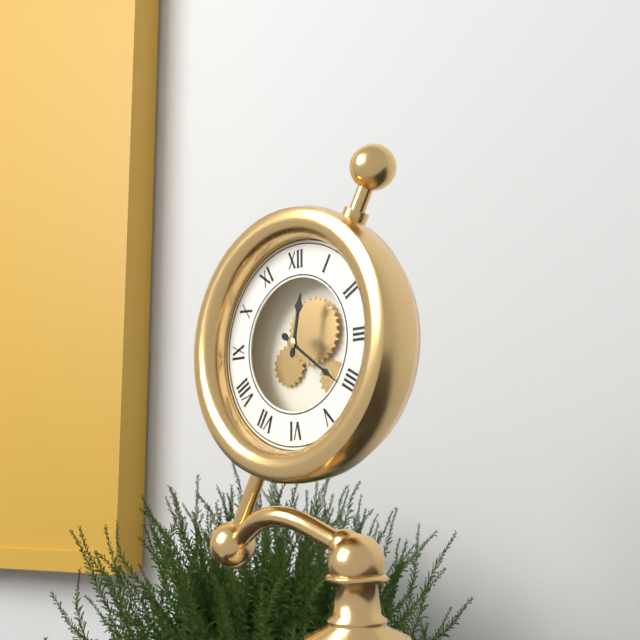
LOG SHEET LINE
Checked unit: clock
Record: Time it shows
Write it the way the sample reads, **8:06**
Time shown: **12:21**
